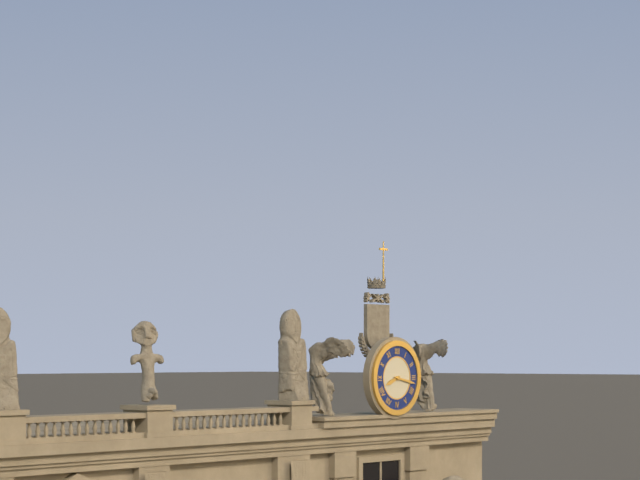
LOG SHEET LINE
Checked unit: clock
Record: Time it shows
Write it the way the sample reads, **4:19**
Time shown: **8:17**
